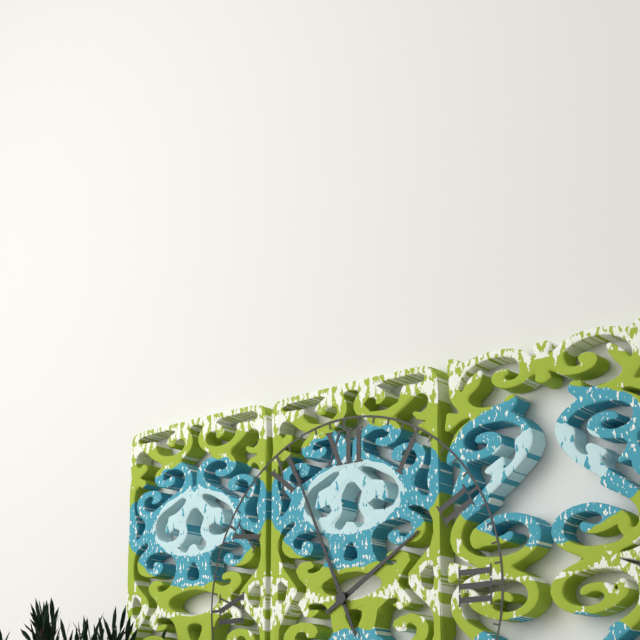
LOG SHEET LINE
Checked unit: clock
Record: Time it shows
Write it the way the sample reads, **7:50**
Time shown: **1:56**
